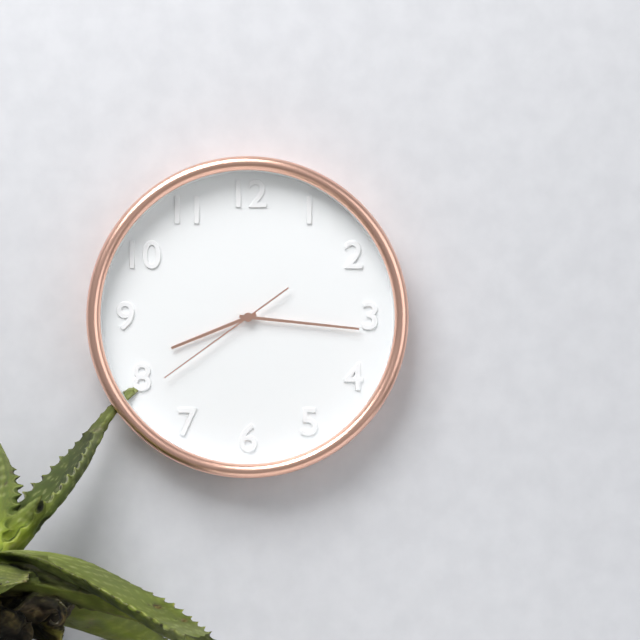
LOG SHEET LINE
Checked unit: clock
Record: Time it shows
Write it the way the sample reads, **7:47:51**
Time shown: **8:16:39**
